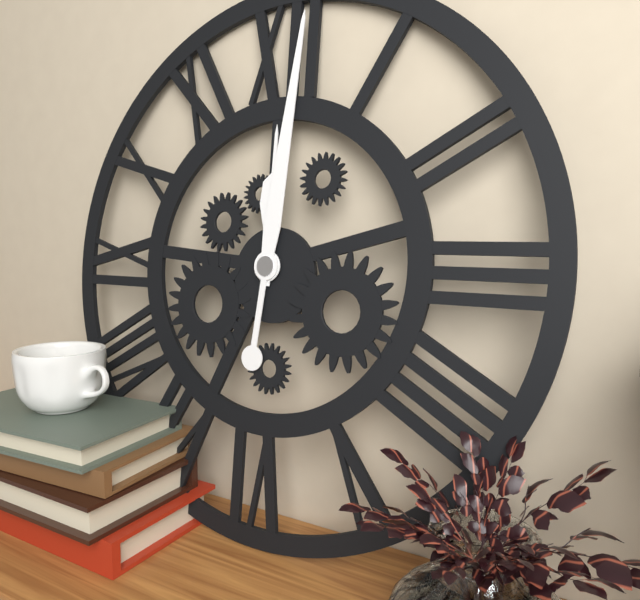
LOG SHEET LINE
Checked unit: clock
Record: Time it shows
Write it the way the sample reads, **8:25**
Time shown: **12:01**
